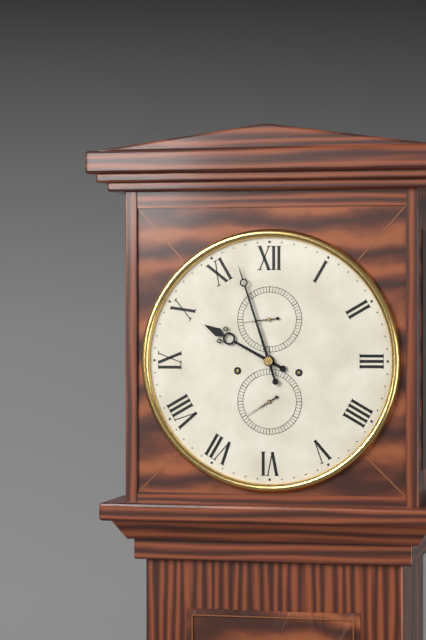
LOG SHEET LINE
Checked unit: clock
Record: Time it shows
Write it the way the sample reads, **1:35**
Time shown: **9:57**
